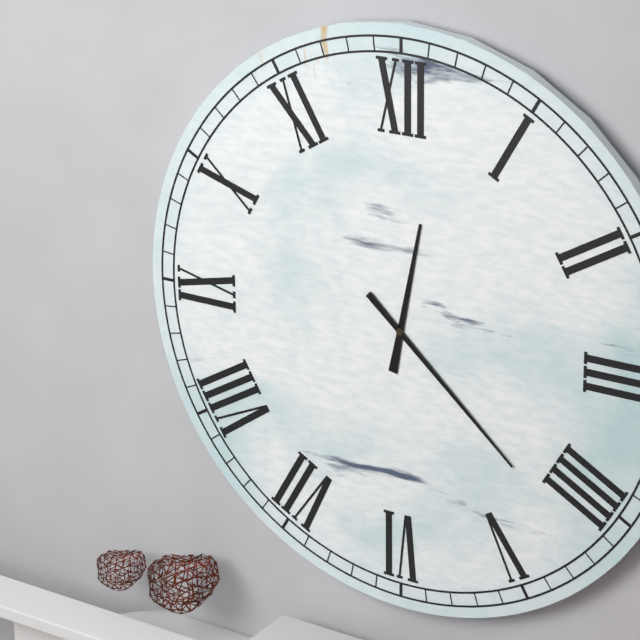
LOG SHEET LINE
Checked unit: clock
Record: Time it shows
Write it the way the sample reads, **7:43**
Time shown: **12:22**
